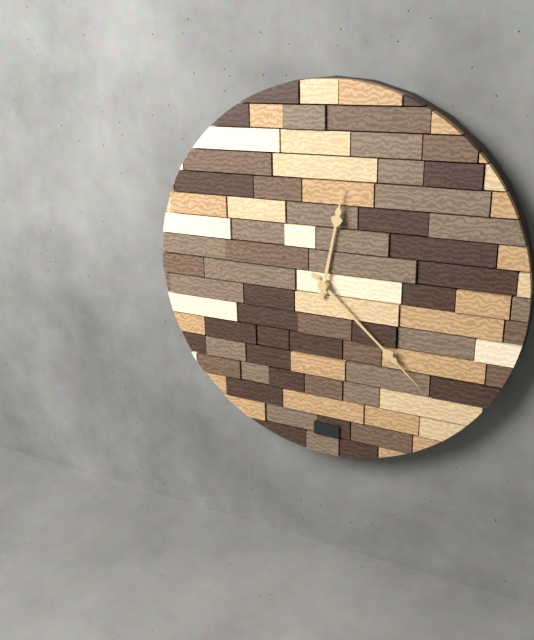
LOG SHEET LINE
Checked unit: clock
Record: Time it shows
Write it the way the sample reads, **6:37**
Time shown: **12:22**
